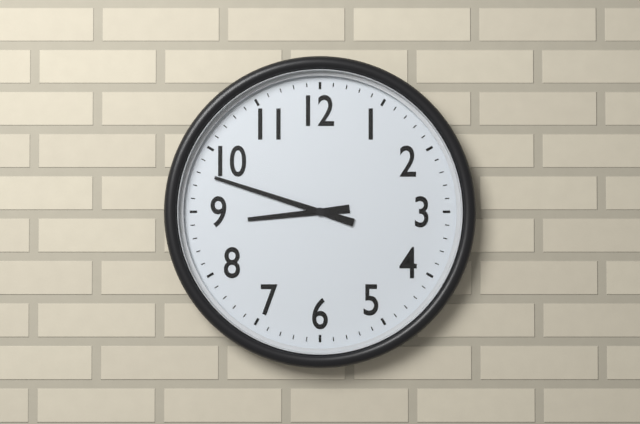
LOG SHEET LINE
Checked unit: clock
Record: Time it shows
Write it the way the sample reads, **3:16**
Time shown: **8:48**
